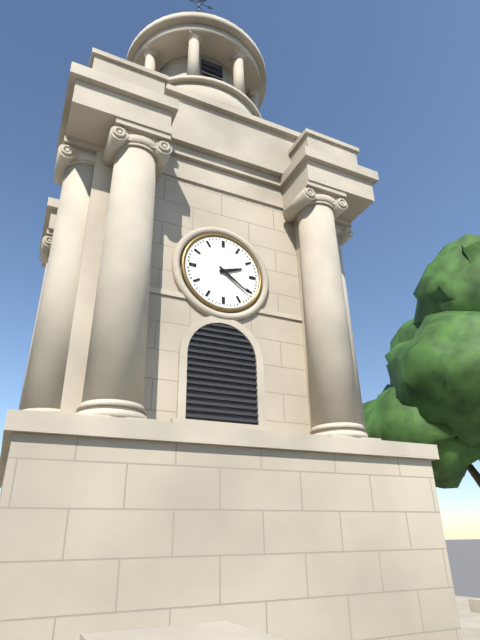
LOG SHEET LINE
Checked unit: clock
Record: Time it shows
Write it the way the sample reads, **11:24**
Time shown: **2:21**
